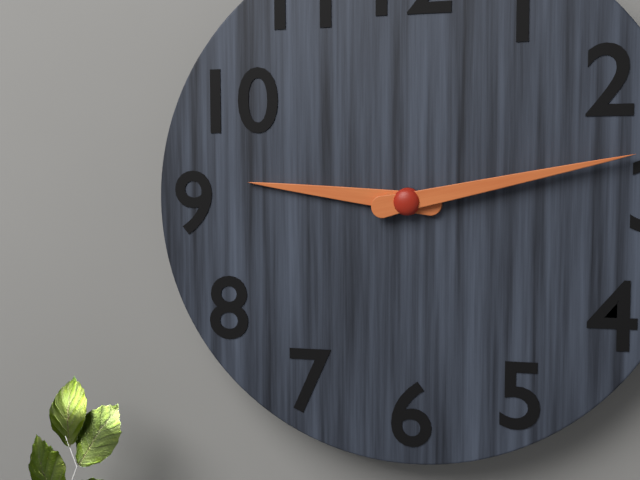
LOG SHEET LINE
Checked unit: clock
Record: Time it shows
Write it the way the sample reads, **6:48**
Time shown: **9:13**
